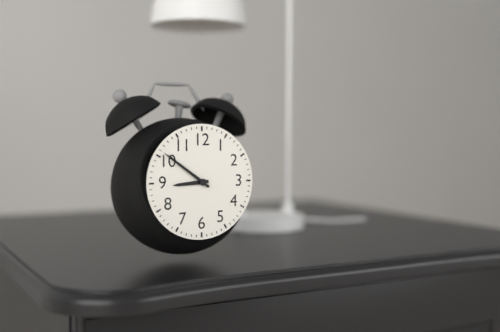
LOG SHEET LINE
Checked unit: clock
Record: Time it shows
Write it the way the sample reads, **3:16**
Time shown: **8:51**
